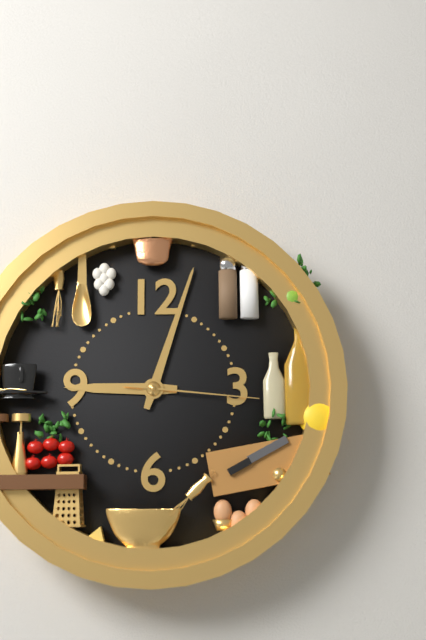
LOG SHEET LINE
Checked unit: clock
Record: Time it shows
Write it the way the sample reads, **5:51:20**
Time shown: **9:03:16**
